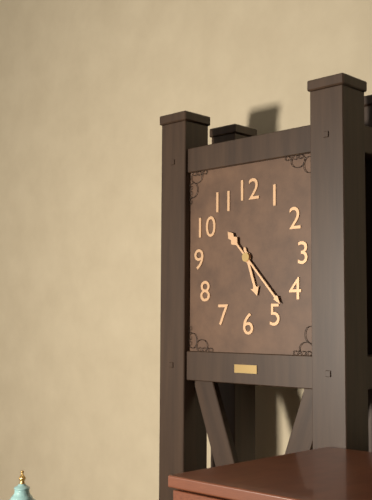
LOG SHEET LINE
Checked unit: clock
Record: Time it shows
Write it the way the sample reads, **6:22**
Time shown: **5:23**
